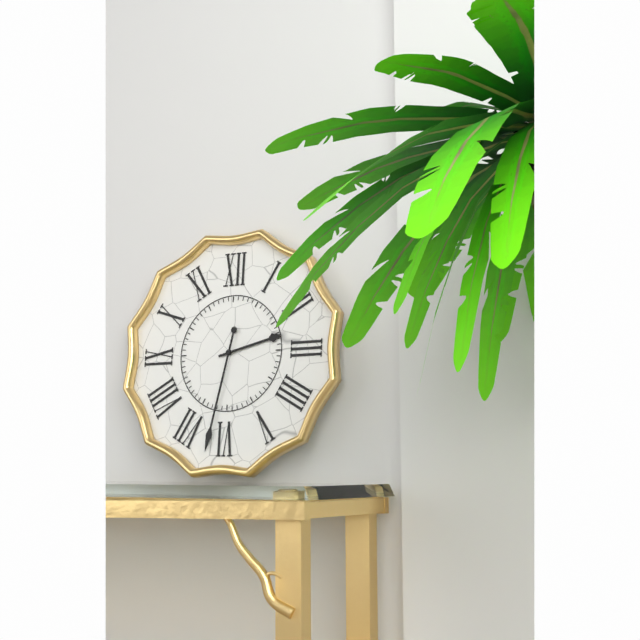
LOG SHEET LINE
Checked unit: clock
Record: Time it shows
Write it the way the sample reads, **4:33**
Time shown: **2:32**
